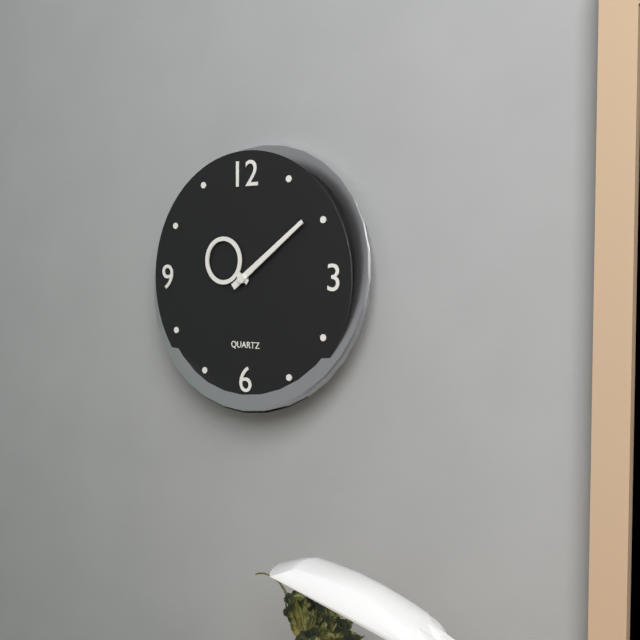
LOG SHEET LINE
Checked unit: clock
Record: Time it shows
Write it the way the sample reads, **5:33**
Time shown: **10:09**
